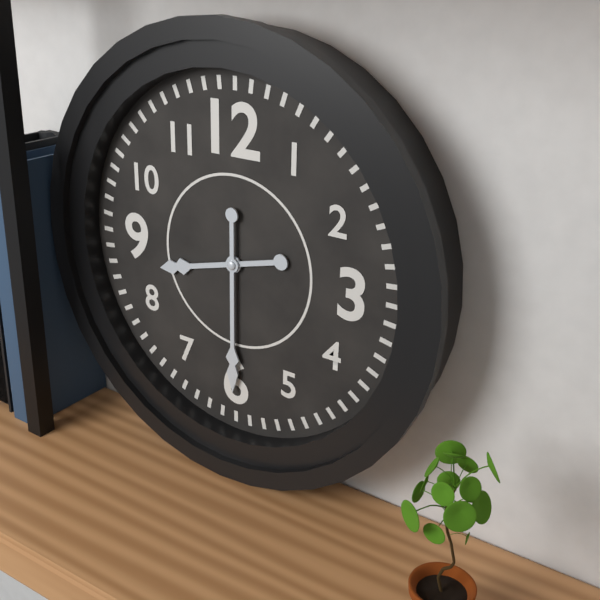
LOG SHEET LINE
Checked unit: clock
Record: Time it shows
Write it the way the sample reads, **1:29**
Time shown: **8:30**
